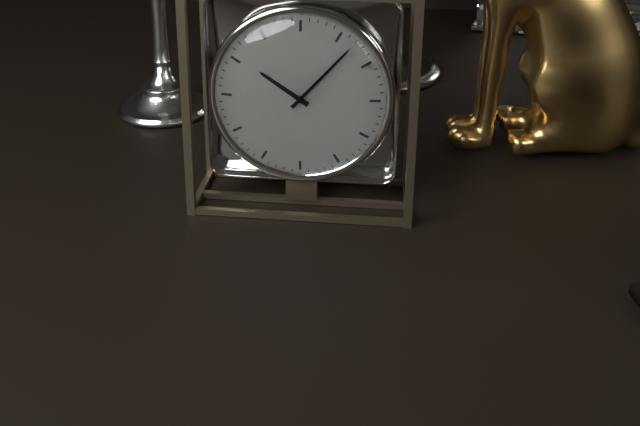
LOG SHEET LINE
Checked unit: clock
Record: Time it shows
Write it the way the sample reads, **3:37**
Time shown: **10:07**
